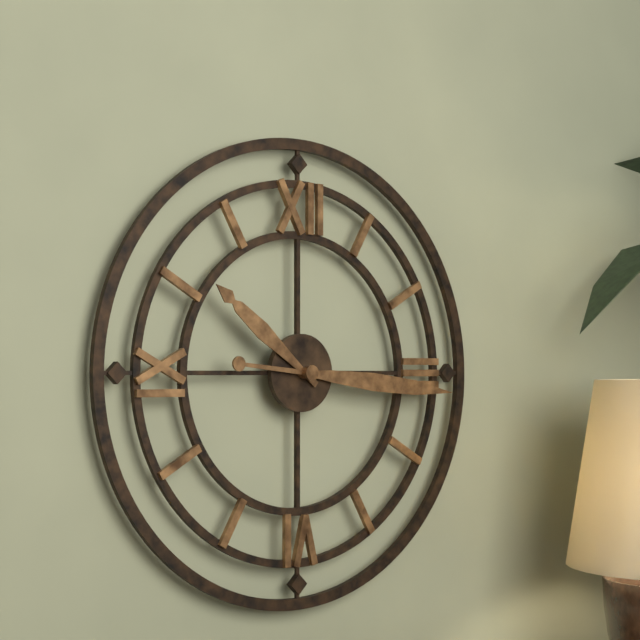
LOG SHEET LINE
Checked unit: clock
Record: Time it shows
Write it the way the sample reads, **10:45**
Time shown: **10:16**
